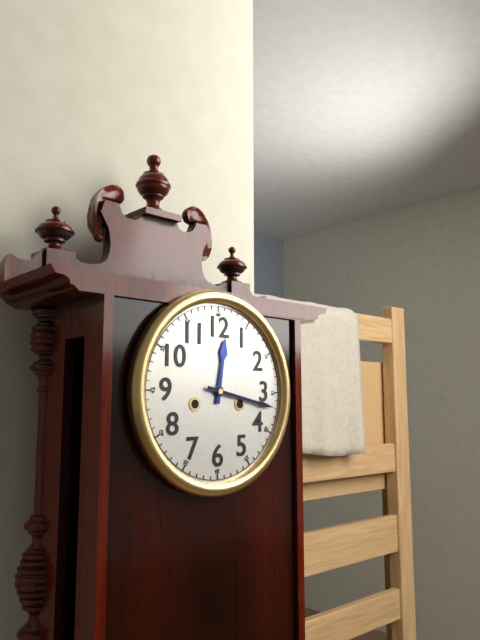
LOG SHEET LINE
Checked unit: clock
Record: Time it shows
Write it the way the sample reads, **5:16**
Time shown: **12:17**
